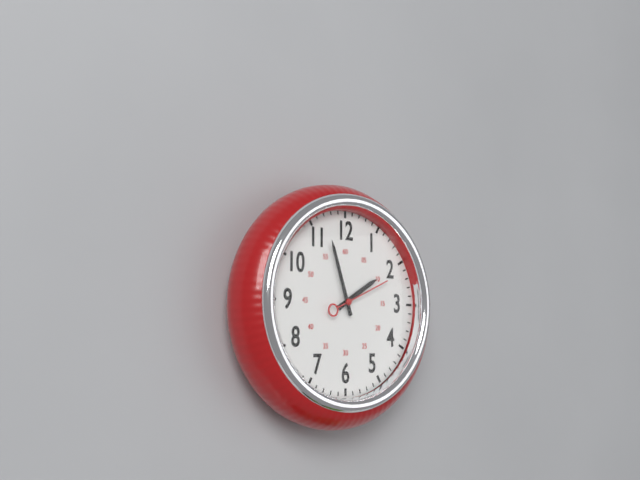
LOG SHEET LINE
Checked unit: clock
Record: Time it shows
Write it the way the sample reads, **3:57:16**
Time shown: **1:57:11**
